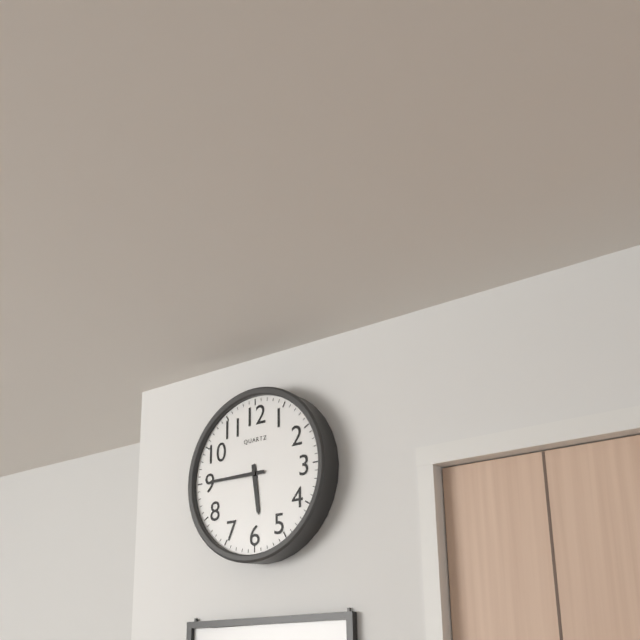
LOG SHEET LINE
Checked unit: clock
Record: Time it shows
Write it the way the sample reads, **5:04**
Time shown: **5:45**
